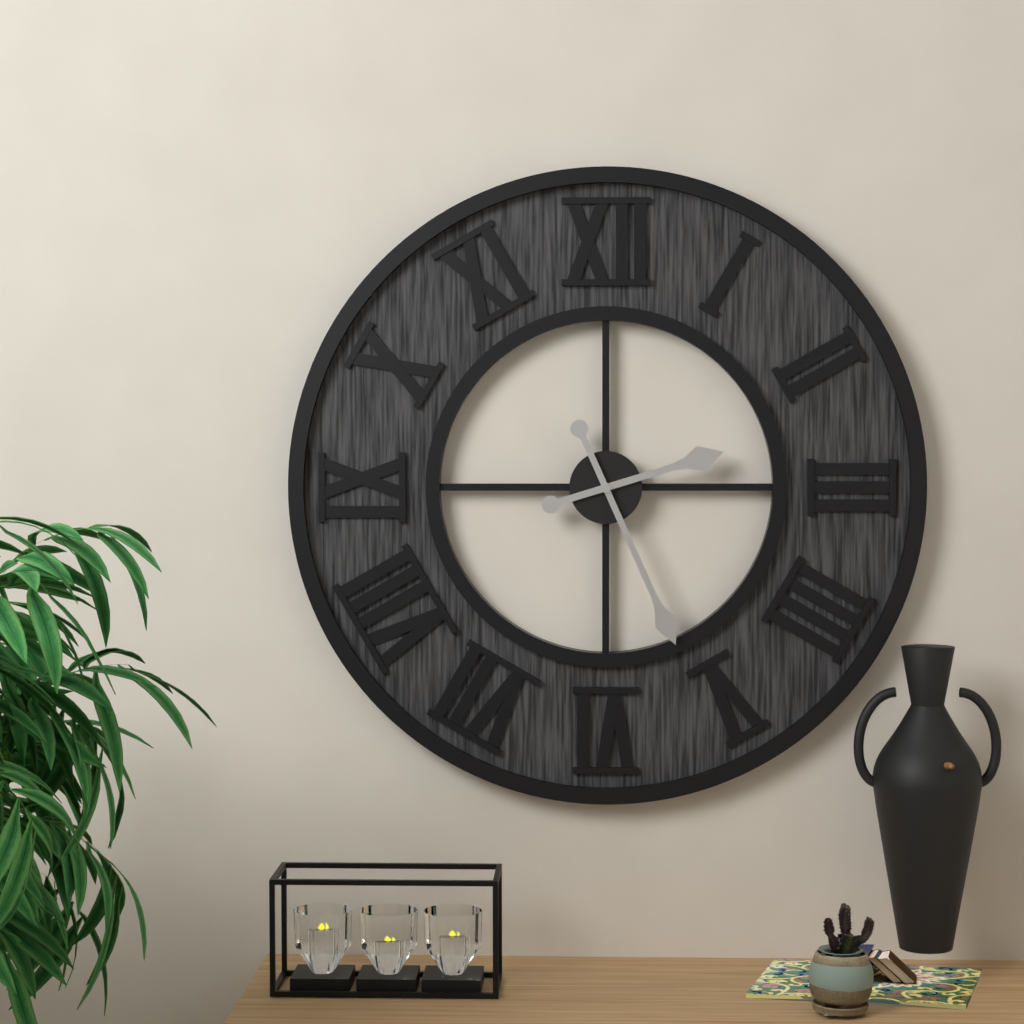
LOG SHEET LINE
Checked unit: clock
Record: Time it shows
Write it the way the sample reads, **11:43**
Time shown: **2:26**
